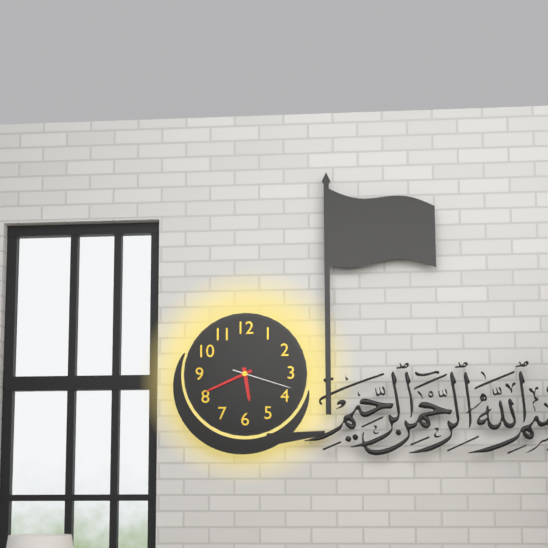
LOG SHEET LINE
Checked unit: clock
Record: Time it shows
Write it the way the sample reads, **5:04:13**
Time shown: **5:41:18**
